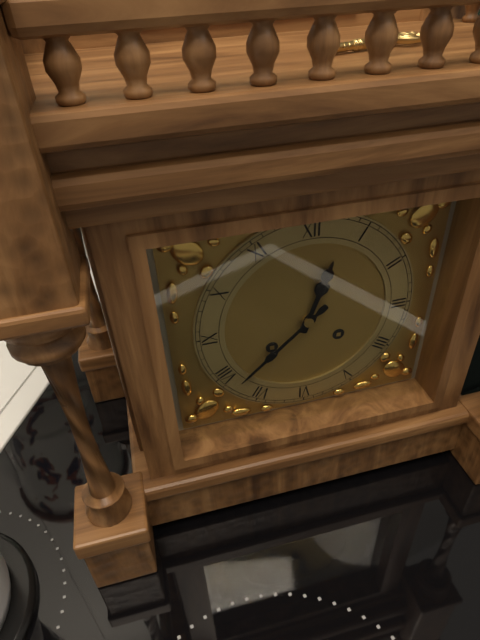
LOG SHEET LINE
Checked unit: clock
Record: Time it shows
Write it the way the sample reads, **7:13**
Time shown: **12:38**
